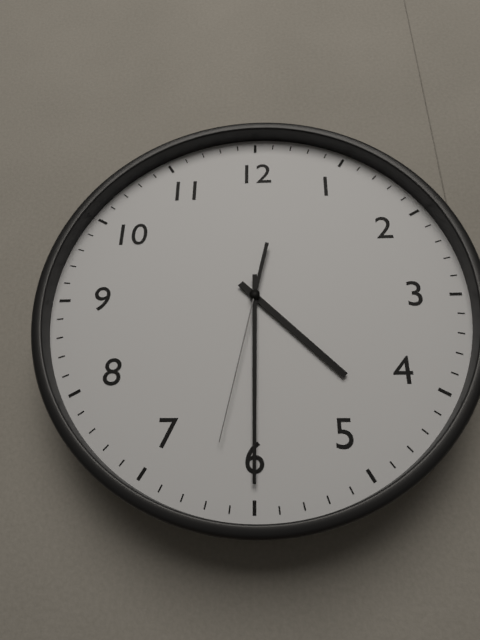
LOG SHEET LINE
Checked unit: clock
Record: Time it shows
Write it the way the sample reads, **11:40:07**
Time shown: **4:30:32**
